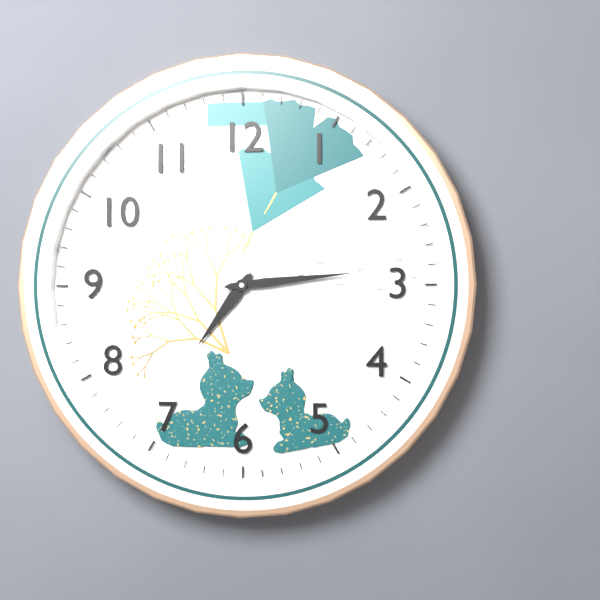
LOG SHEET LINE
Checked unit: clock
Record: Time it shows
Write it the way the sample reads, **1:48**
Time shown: **7:14**
